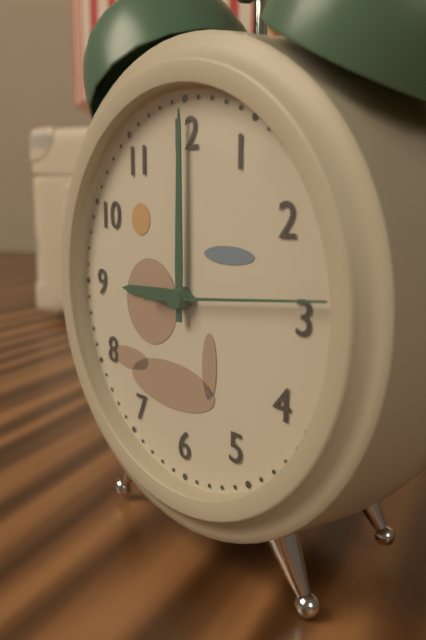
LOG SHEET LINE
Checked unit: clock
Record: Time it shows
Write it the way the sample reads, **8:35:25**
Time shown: **9:00:14**
